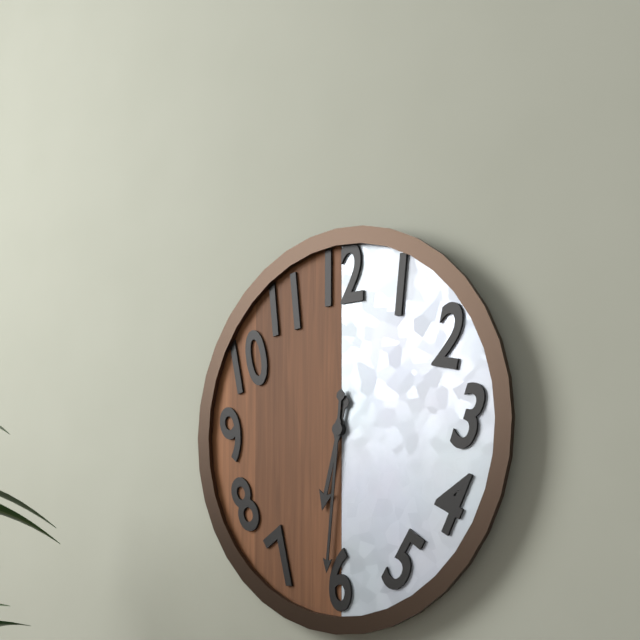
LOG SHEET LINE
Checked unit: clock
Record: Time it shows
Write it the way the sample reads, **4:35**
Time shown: **6:31**
